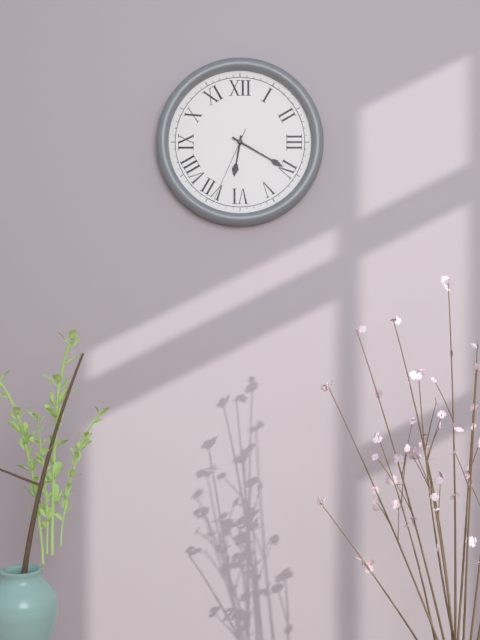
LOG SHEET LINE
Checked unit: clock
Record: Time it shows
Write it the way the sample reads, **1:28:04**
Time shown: **6:20:34**
